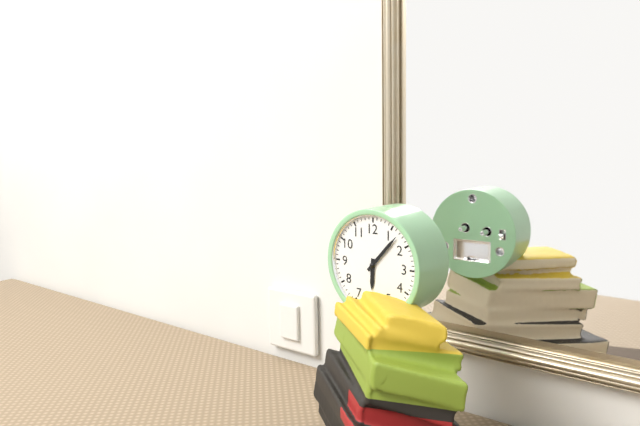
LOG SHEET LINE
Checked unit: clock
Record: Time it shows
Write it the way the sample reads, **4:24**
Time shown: **6:07**
